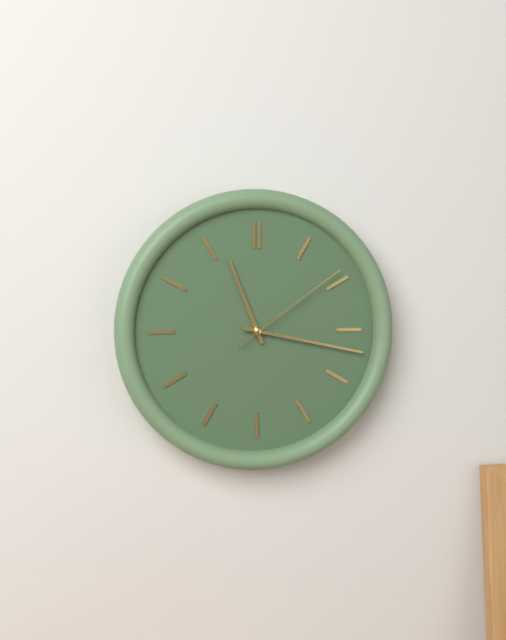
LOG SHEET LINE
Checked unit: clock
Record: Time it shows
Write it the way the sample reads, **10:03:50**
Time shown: **11:17:09**
